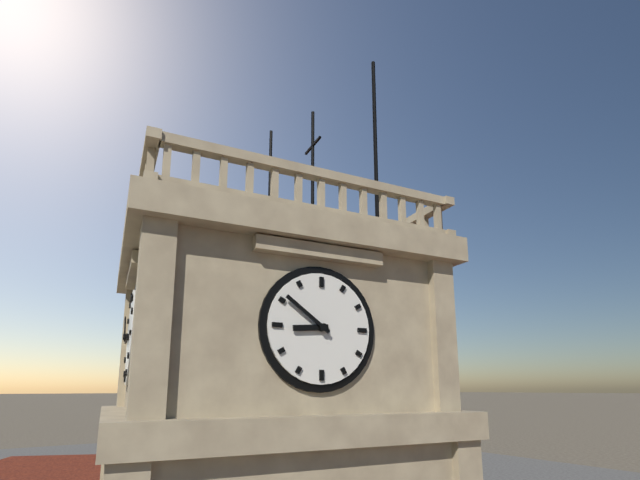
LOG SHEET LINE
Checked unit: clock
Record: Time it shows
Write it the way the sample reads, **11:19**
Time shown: **8:51**
